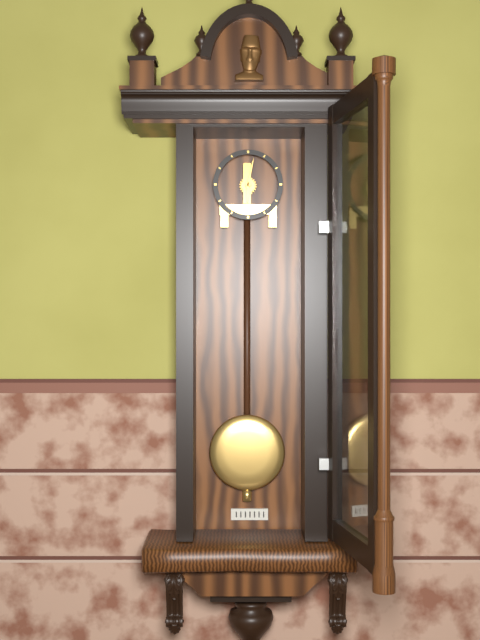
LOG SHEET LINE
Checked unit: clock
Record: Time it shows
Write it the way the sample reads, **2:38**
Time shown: **6:02**
